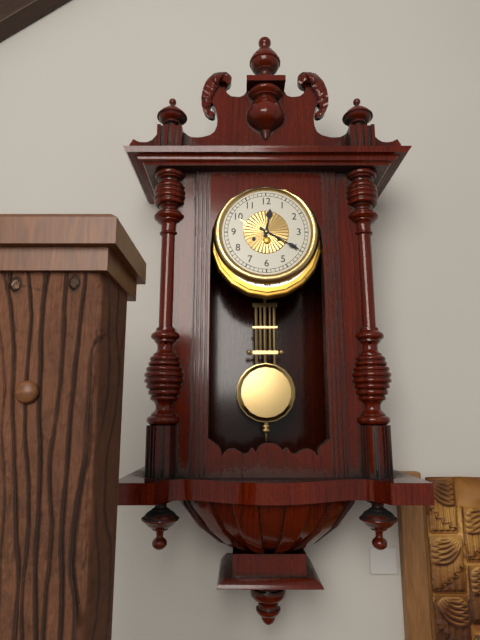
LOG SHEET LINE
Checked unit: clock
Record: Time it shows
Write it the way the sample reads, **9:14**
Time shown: **12:20**
